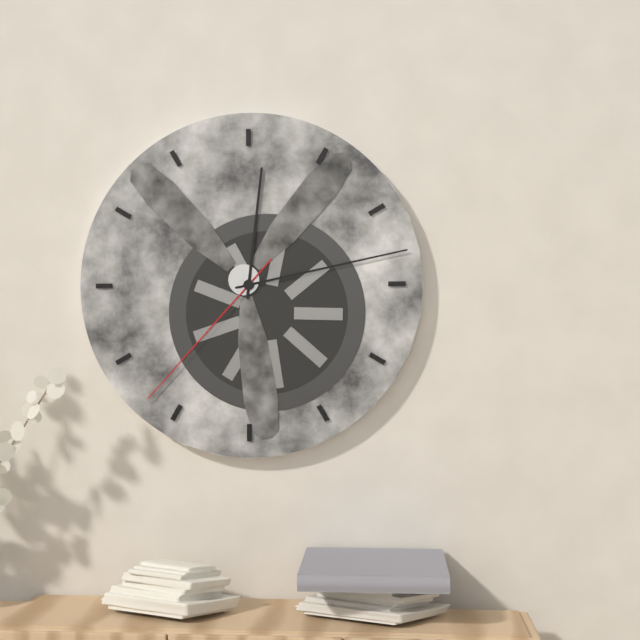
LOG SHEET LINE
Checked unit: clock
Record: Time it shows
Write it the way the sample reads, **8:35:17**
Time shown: **12:13:37**
